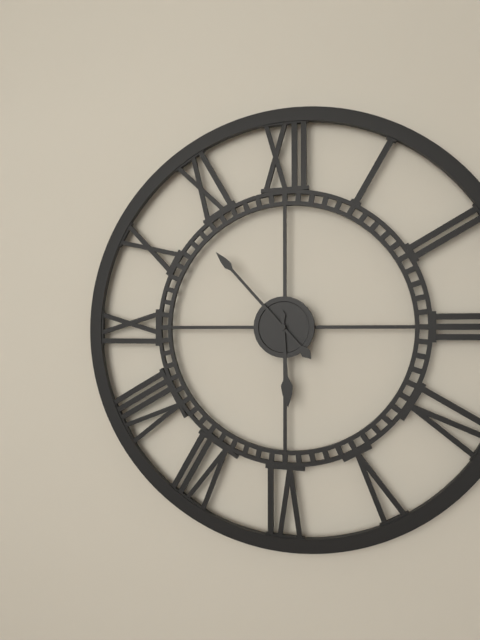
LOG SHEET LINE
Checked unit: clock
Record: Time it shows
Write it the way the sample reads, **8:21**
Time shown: **5:53**
